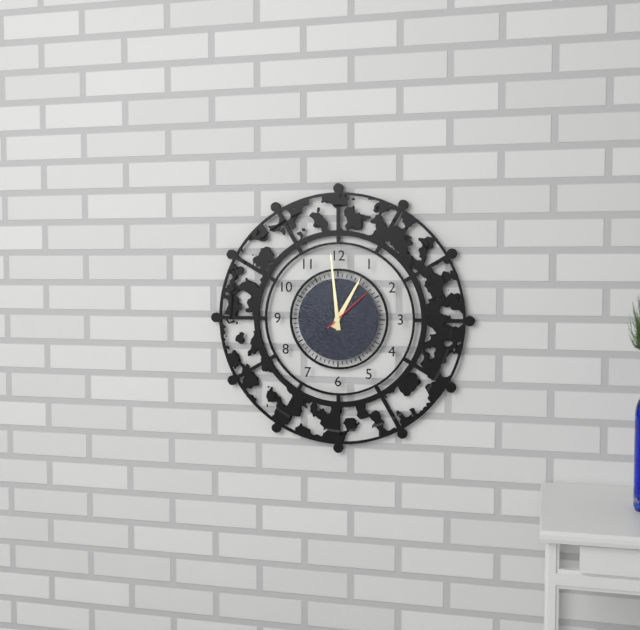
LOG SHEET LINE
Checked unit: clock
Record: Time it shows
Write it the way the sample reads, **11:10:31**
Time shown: **12:59:08**
